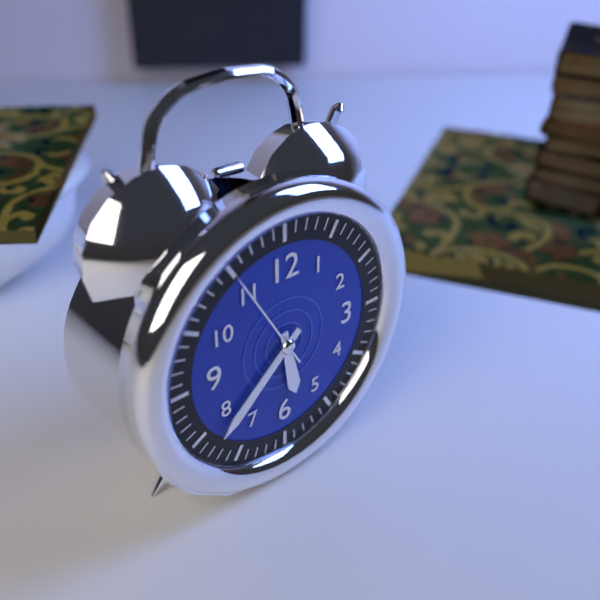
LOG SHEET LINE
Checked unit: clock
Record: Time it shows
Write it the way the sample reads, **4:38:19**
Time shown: **5:38:55**
